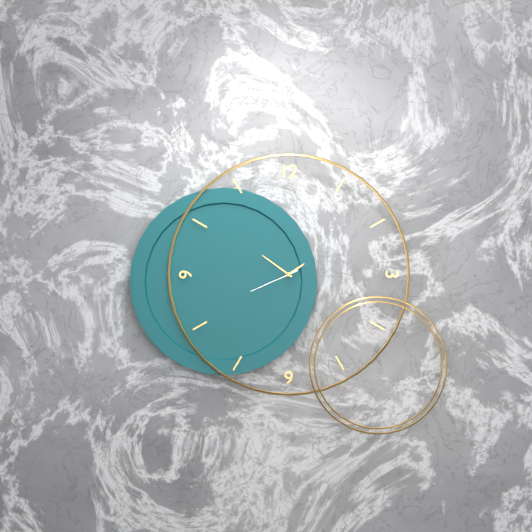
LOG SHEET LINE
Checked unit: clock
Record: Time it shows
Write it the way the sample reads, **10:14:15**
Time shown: **1:51:41**
